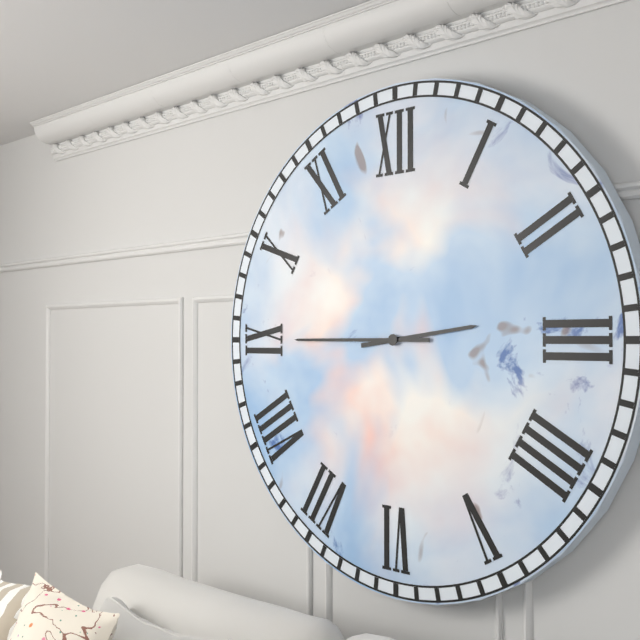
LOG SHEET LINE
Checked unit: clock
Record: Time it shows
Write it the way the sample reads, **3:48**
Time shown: **2:45**
